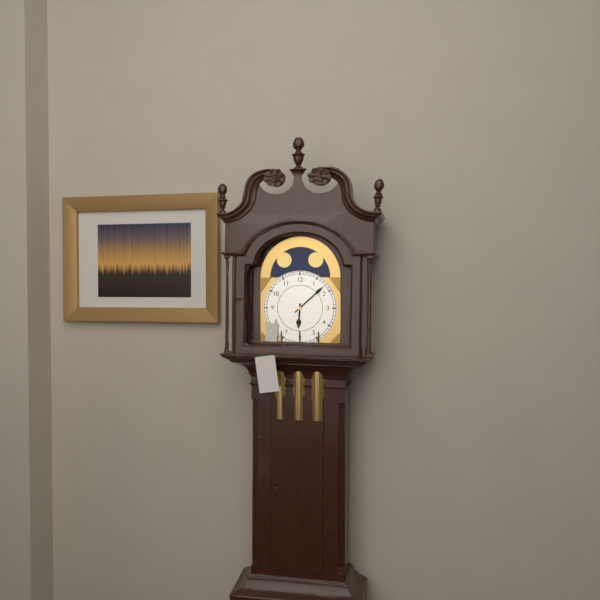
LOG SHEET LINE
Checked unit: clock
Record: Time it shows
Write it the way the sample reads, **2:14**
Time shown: **6:08**
